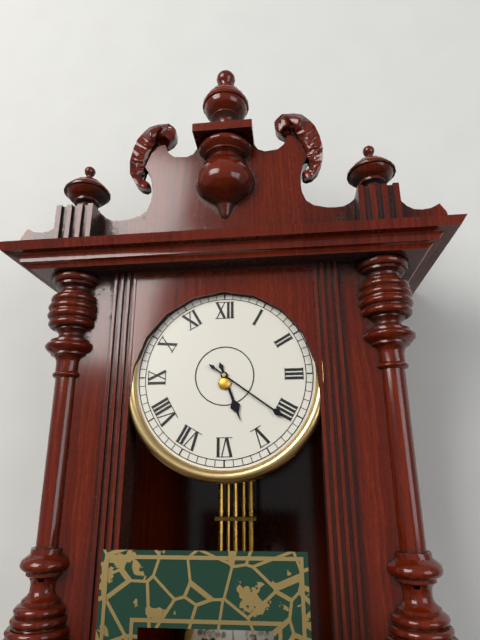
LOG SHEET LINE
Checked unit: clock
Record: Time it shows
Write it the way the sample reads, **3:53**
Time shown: **5:21**
